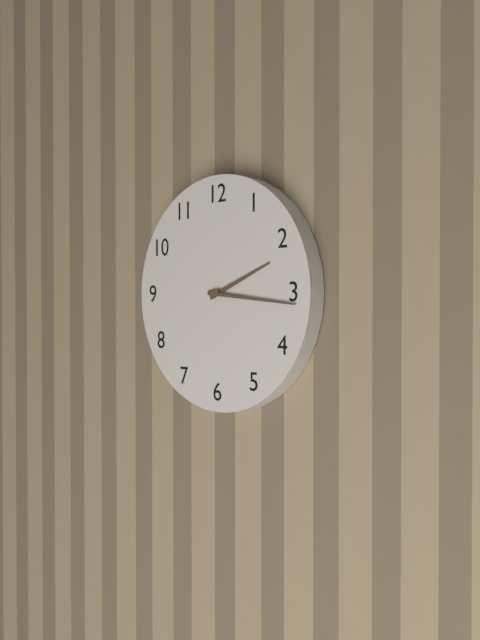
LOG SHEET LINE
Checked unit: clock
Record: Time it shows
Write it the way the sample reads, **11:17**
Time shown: **2:16**
